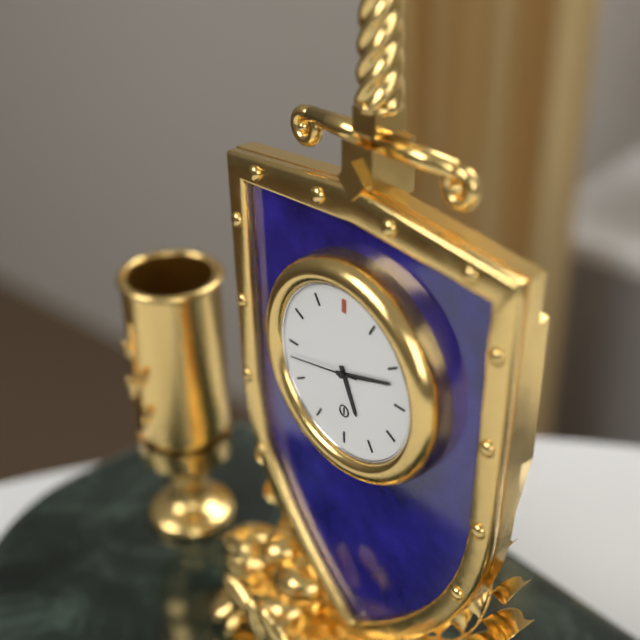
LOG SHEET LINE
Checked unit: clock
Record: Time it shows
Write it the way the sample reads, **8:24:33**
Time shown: **5:12:43**
